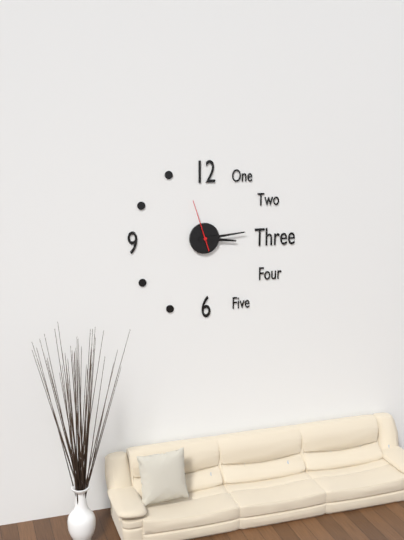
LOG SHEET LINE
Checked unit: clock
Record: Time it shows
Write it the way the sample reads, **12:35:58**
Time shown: **3:14:57**
